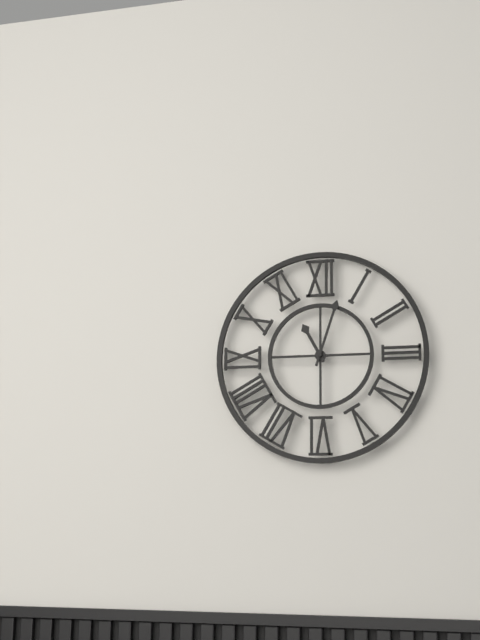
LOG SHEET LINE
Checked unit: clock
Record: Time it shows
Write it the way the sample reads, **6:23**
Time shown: **11:03**
